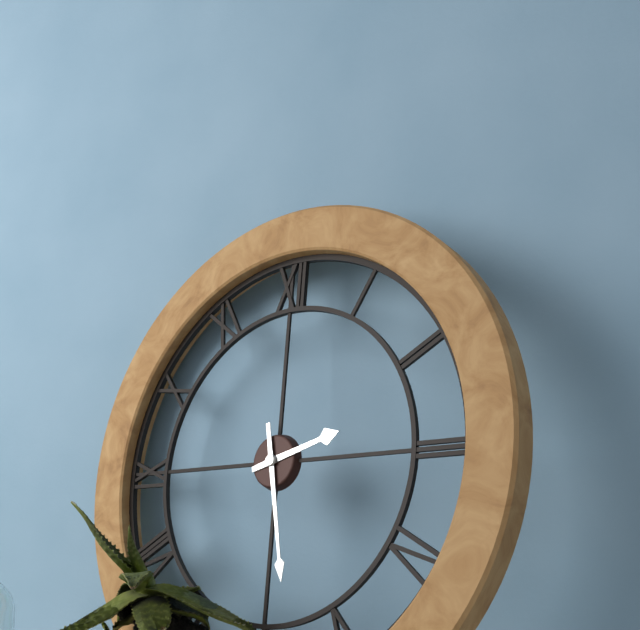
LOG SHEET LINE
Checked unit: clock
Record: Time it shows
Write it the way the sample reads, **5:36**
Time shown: **2:28**
